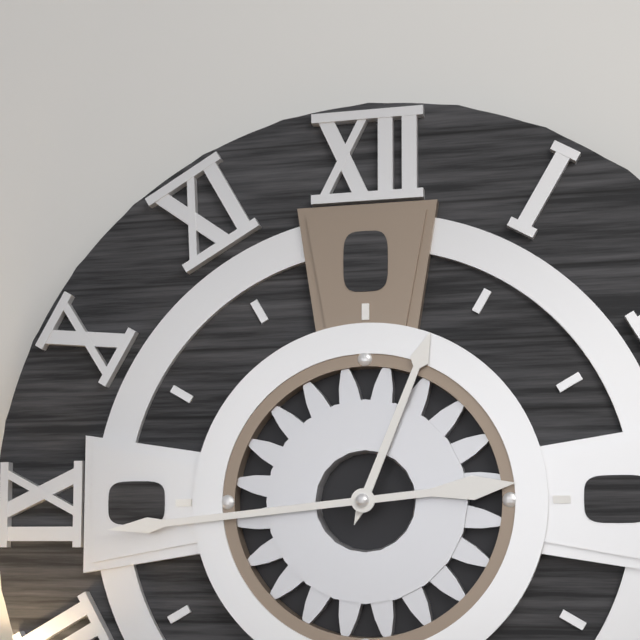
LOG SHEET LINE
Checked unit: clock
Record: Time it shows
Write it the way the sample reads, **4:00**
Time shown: **12:44**
